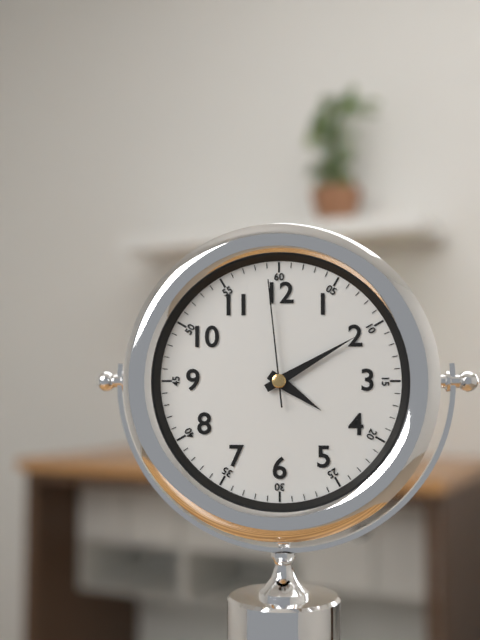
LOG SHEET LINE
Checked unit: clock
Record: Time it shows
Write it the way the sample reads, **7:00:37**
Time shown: **4:10:59**
